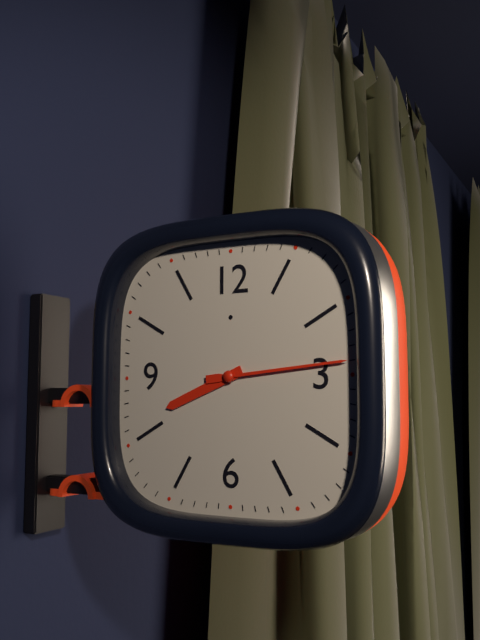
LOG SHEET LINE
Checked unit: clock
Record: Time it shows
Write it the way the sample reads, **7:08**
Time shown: **8:14**
